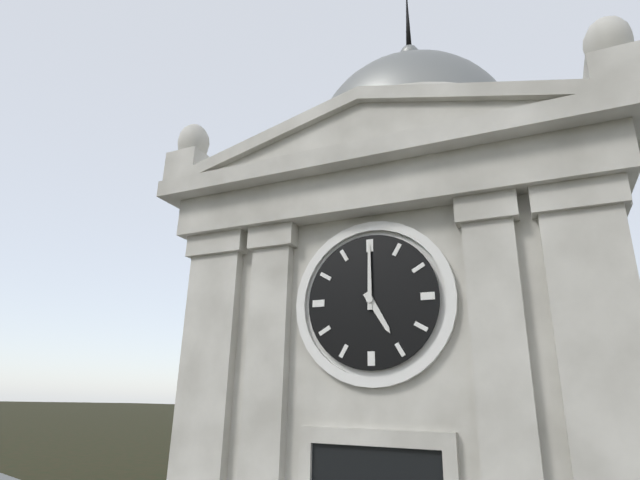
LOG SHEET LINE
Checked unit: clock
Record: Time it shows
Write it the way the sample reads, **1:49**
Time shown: **5:00**
